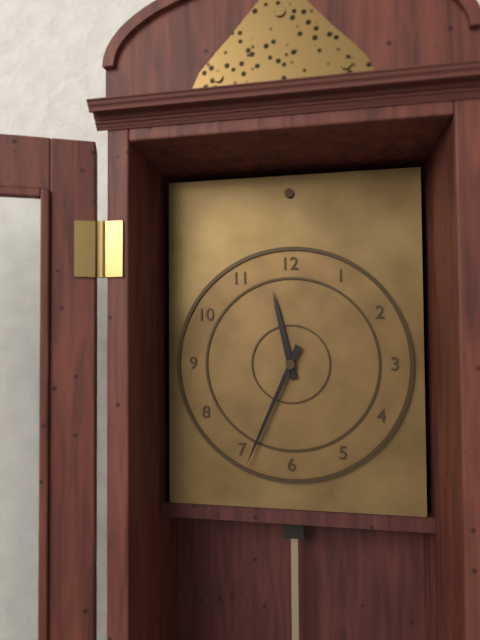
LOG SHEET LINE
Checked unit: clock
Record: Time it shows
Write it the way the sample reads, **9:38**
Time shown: **11:34**
